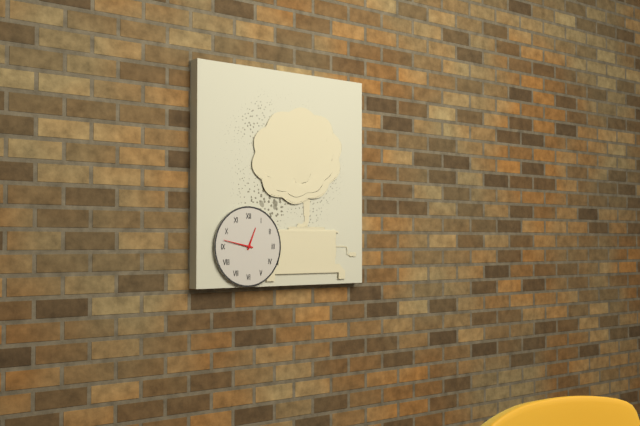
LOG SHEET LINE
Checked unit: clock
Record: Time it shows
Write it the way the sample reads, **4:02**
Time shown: **12:47**
